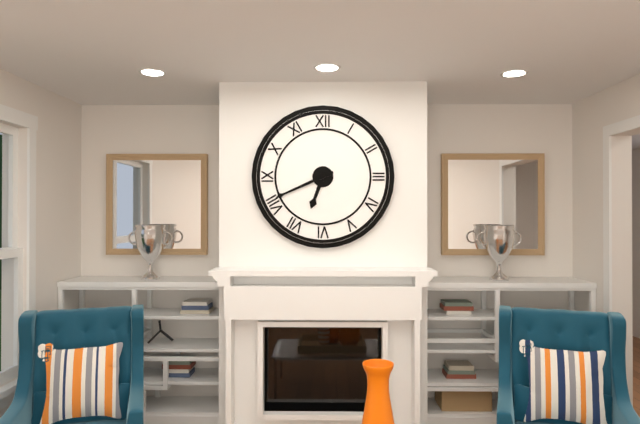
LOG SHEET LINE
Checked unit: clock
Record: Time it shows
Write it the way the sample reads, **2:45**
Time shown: **6:41**
